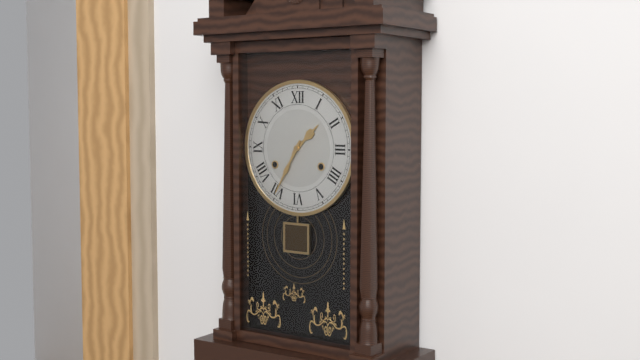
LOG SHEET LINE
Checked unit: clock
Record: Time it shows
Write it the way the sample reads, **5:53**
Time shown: **1:35**
